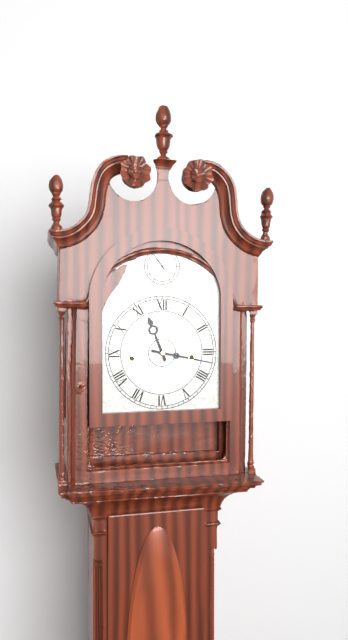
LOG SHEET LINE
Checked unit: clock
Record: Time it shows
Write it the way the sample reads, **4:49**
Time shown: **11:17**
